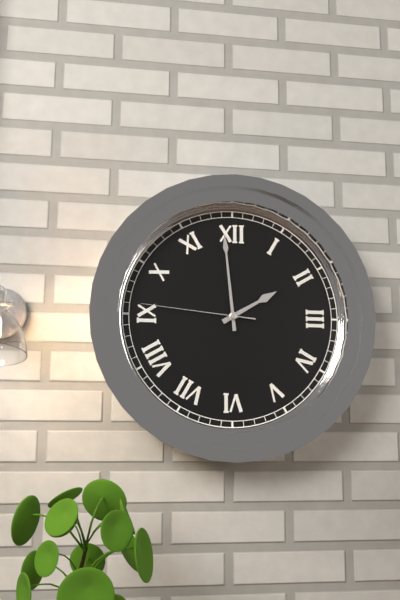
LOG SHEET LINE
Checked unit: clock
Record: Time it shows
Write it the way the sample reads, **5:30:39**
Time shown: **1:59:46**
